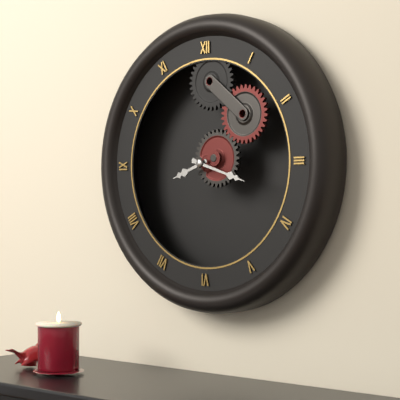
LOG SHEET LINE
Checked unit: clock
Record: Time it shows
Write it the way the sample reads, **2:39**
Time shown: **8:18**
